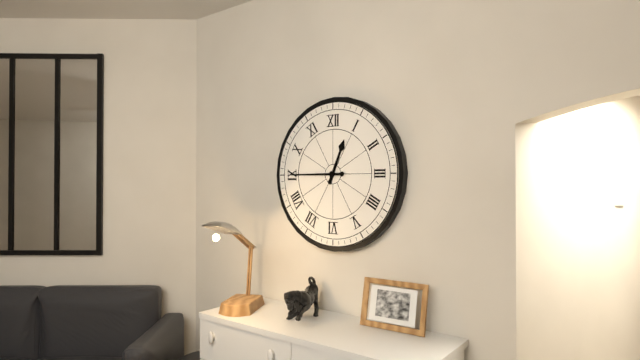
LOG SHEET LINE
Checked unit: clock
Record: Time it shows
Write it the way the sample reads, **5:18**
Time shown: **12:45**
